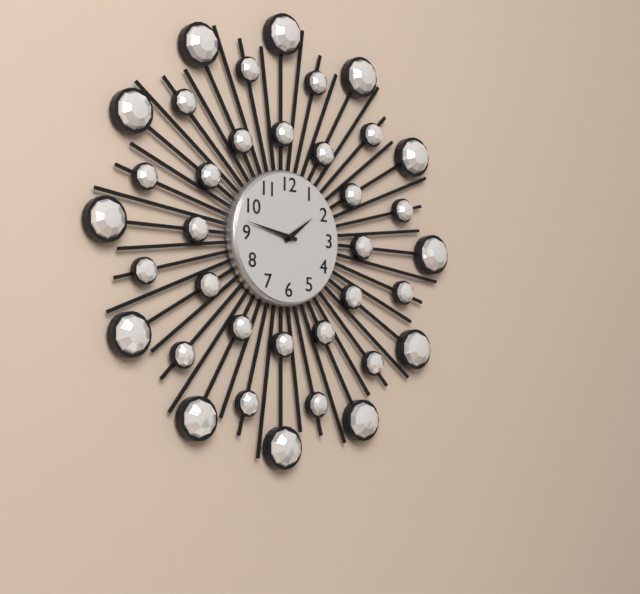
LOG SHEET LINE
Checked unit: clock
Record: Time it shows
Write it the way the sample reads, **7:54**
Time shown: **1:47**
